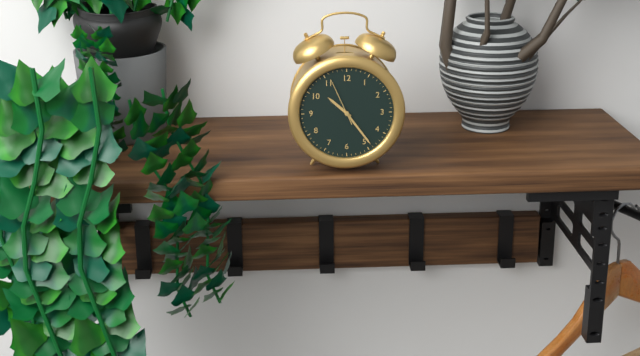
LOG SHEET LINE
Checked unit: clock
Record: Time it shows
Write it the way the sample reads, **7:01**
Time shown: **10:24**
